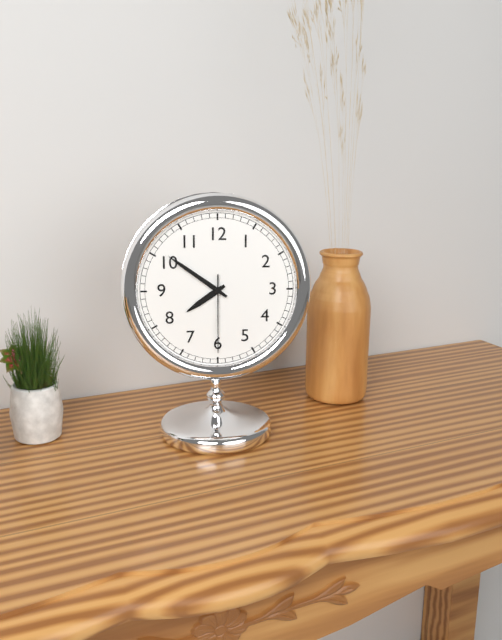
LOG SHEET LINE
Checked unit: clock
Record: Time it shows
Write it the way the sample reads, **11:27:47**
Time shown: **7:51:30**
